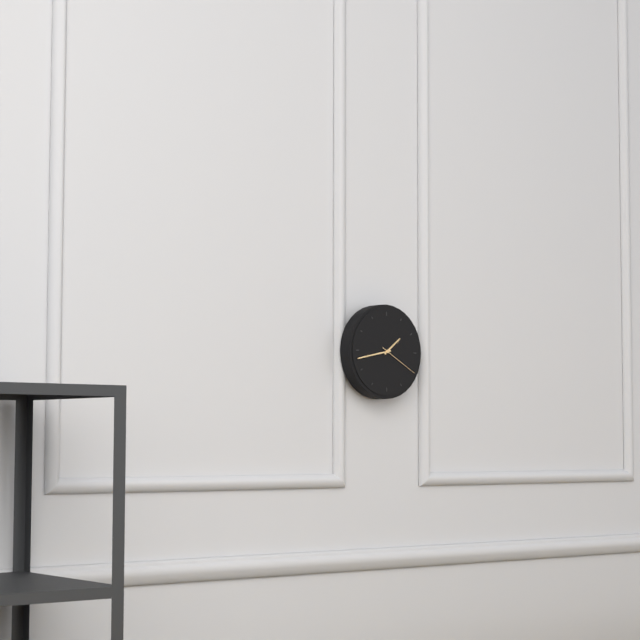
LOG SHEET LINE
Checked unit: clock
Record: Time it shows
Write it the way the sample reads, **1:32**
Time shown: **1:43**
